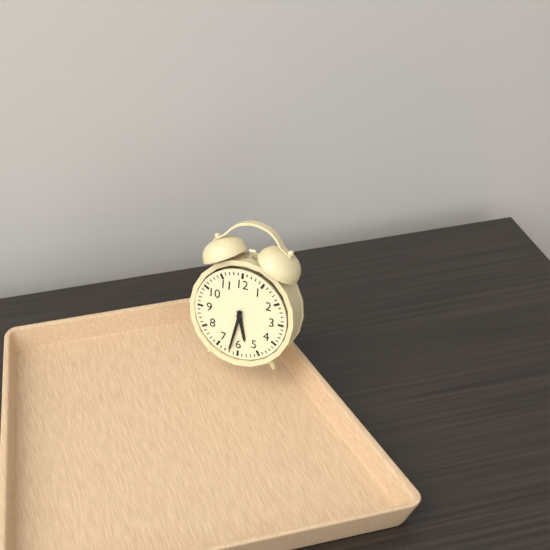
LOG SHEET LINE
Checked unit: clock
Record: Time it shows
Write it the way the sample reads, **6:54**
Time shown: **5:32**
